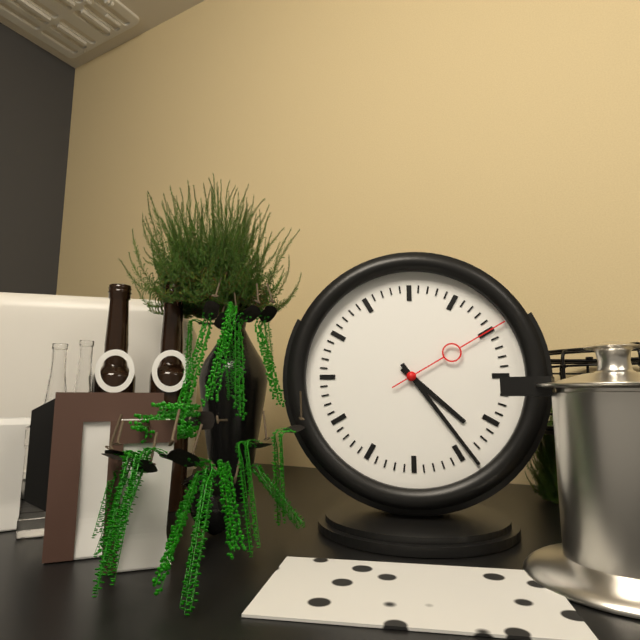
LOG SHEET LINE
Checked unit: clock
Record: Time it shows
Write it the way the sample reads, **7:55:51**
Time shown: **4:24:10**
